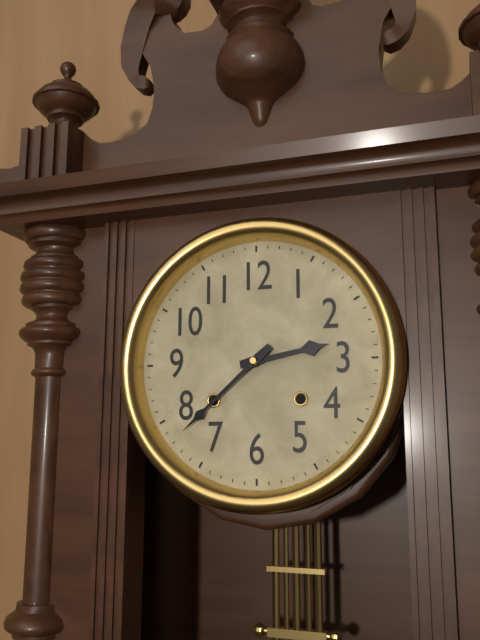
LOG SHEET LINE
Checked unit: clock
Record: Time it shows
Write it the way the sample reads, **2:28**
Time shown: **2:38**
